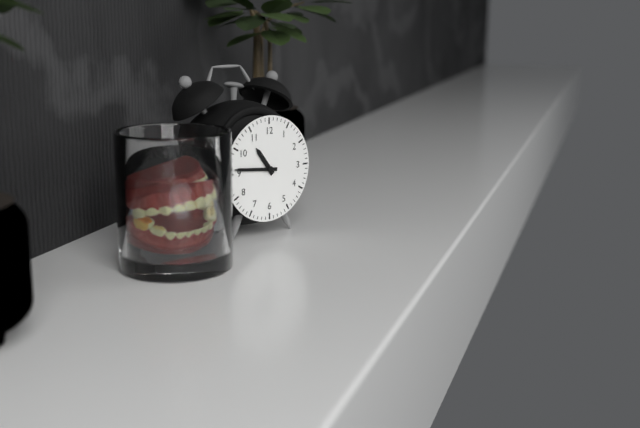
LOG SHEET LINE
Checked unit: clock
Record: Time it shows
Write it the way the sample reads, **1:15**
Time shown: **10:46**
